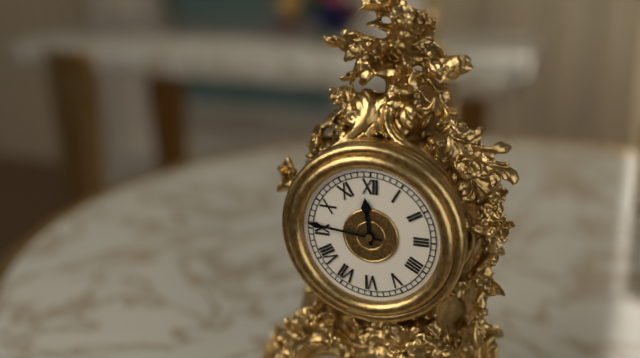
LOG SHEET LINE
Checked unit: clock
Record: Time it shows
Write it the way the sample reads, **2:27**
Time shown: **11:46**
